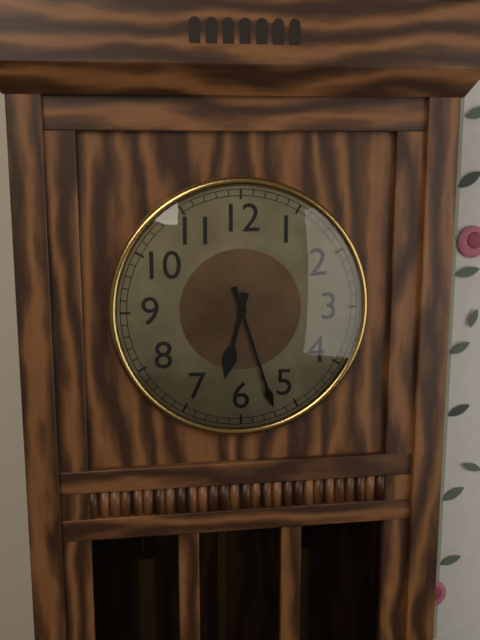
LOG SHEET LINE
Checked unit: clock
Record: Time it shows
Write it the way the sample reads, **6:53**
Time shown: **6:27**
